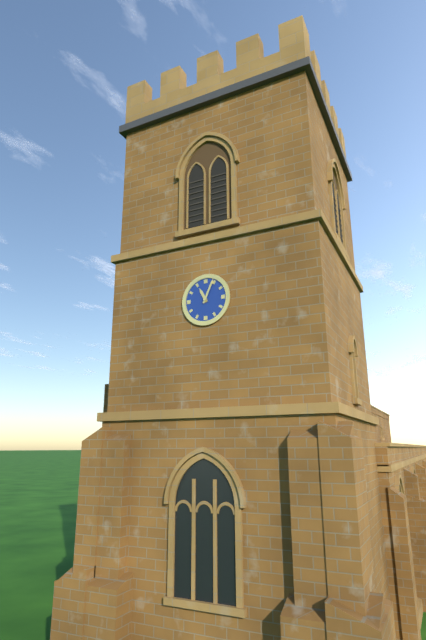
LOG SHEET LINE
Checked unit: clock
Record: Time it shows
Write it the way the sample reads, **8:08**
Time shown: **11:04**
